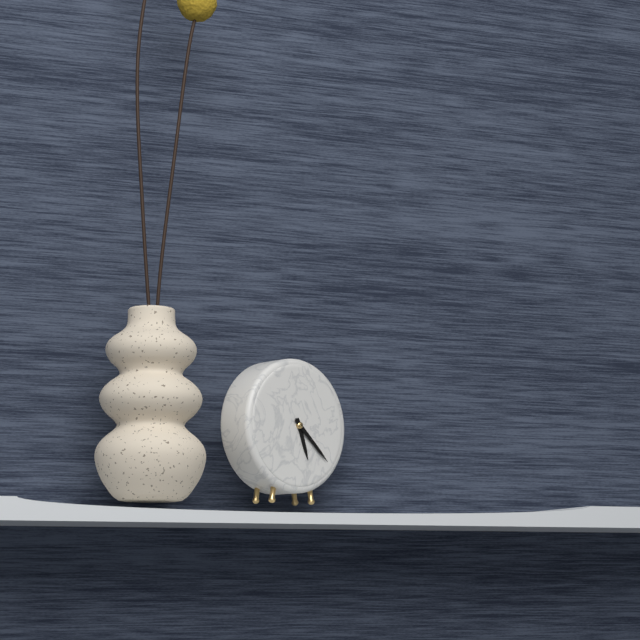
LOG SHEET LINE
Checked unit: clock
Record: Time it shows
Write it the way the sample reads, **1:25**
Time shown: **5:22**
